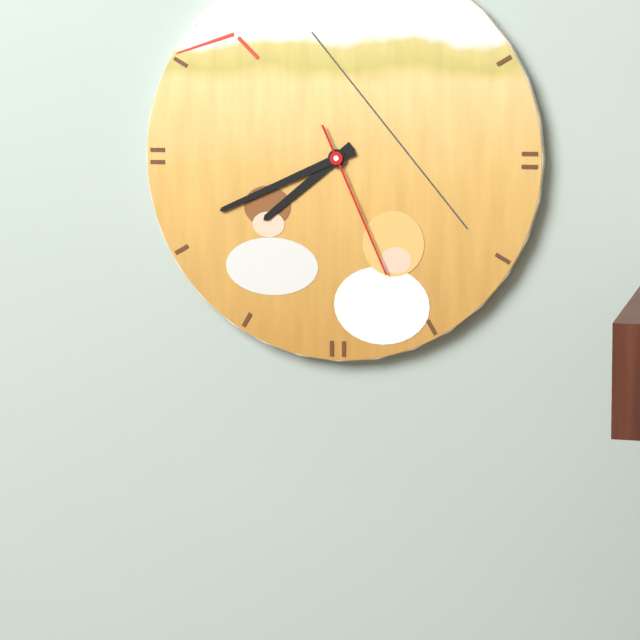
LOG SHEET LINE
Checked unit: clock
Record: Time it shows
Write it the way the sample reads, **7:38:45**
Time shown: **7:41:26**
